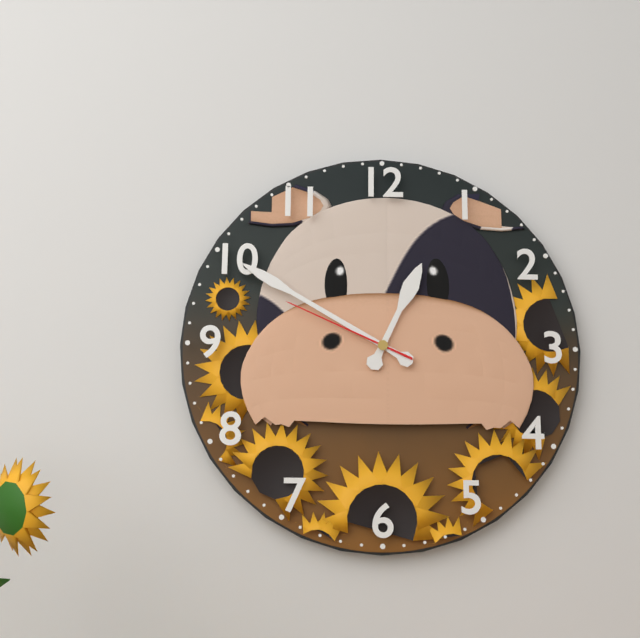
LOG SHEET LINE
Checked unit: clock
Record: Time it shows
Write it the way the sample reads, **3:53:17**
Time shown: **12:50:49**
